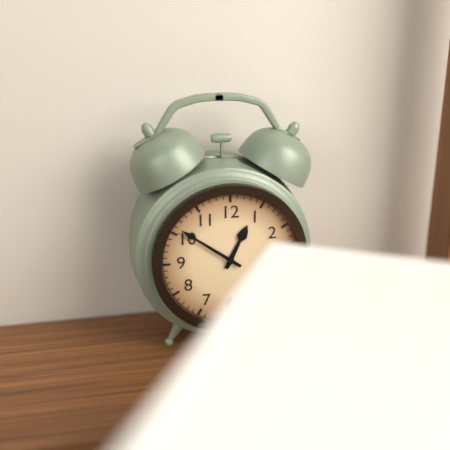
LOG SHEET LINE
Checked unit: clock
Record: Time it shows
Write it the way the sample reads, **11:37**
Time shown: **12:51**
